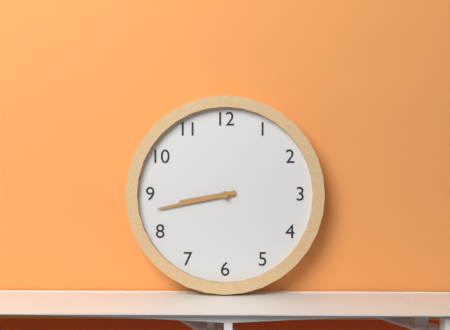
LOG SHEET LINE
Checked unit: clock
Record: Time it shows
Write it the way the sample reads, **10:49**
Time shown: **8:43**
